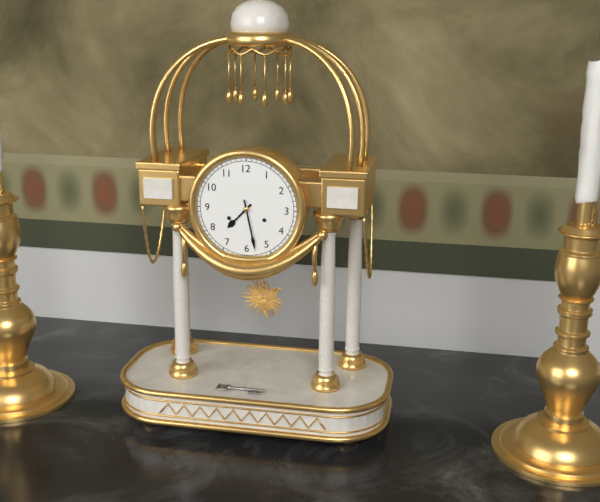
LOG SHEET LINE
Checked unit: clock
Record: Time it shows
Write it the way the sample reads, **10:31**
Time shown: **7:28**
